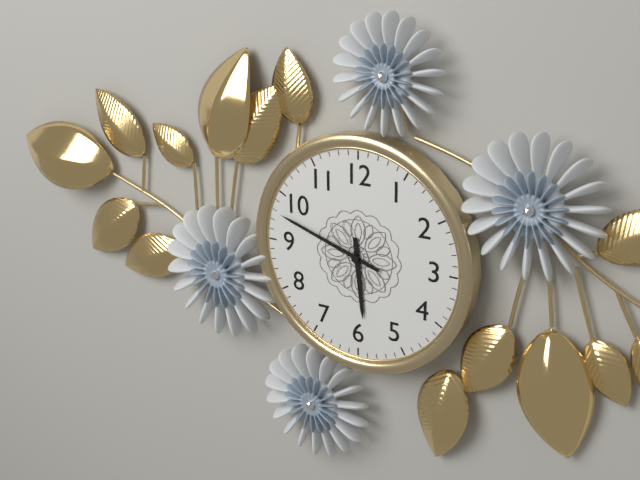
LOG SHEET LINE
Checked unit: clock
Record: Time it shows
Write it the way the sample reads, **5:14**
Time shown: **5:48**
